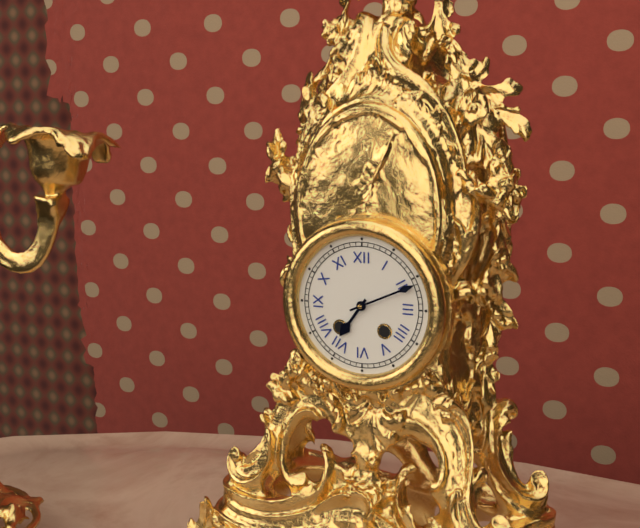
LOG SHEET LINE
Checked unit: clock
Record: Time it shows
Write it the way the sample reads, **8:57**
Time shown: **7:11**
